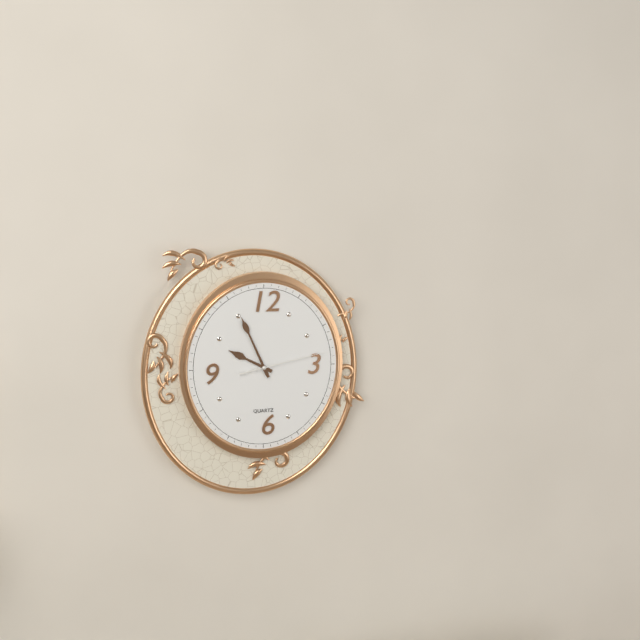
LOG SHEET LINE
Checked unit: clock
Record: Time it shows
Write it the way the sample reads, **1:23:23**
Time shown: **9:56:13**
